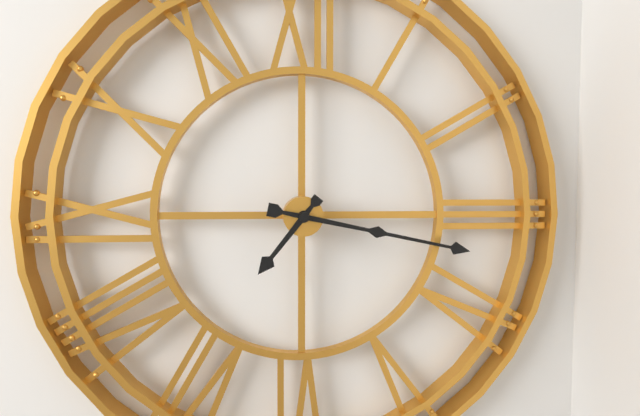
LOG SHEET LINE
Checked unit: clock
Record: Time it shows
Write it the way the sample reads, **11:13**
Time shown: **7:17**
